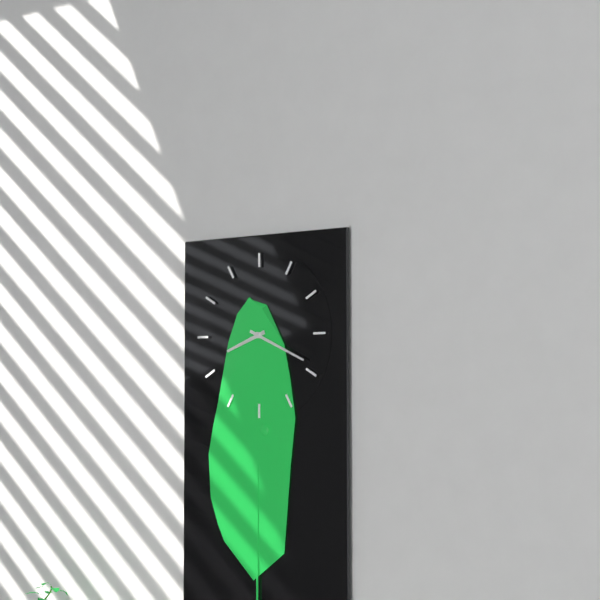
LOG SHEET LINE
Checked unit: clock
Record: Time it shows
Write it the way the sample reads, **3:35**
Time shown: **8:19**
